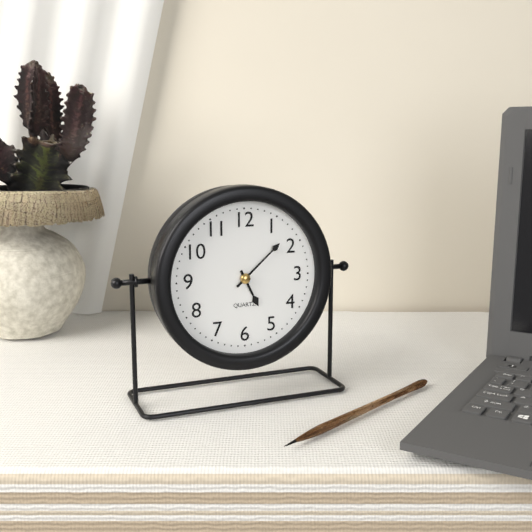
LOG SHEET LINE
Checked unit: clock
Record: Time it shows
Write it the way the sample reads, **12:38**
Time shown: **5:08**
